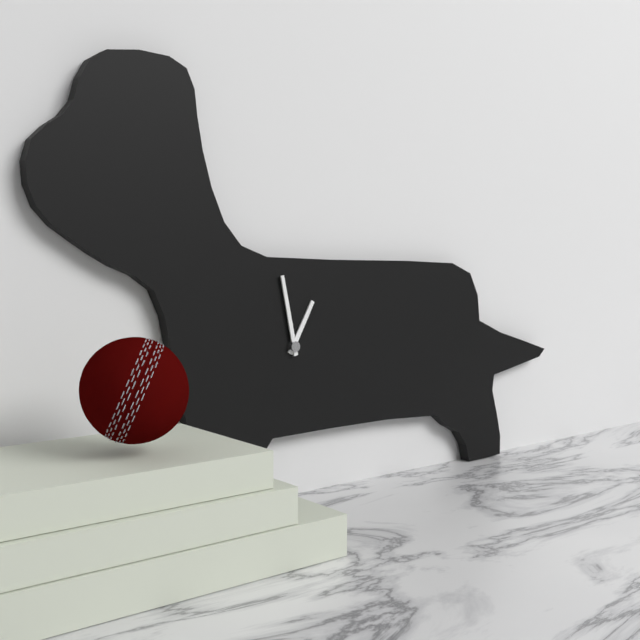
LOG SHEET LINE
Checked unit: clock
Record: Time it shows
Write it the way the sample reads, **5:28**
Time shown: **12:58**
